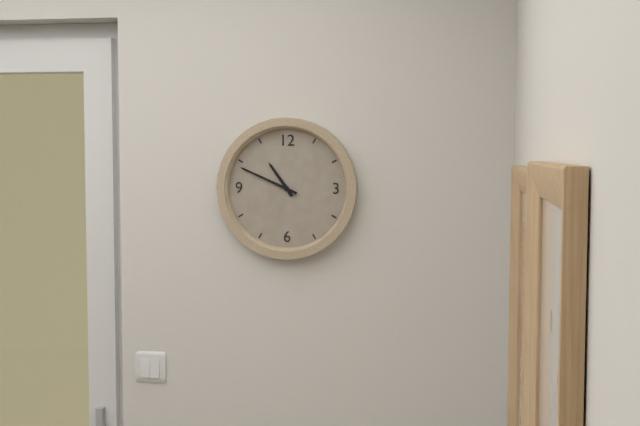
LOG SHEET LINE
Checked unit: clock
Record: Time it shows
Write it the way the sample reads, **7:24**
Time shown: **10:49**
